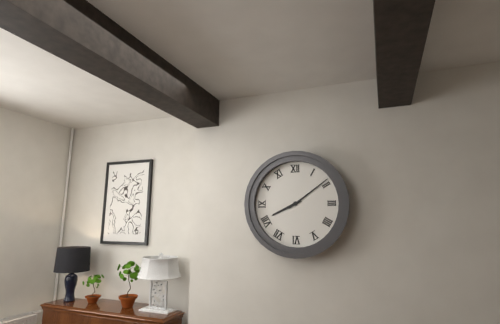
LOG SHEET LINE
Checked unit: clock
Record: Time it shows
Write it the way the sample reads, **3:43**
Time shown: **8:09**
